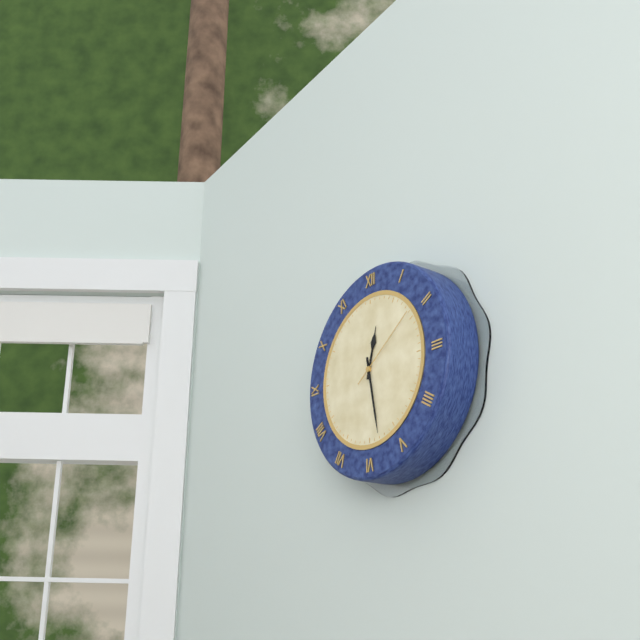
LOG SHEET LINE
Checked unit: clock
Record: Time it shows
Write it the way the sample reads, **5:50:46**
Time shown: **12:28:09**
